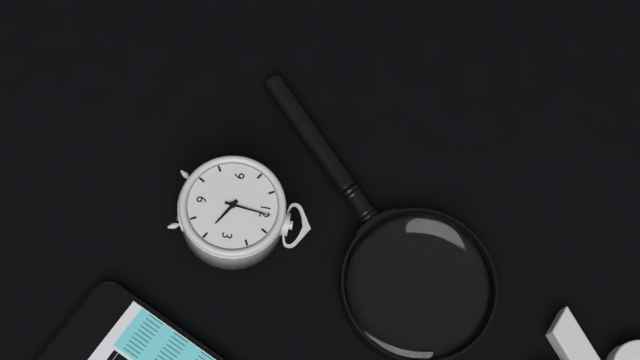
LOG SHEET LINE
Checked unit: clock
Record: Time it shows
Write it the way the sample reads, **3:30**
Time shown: **4:01**
